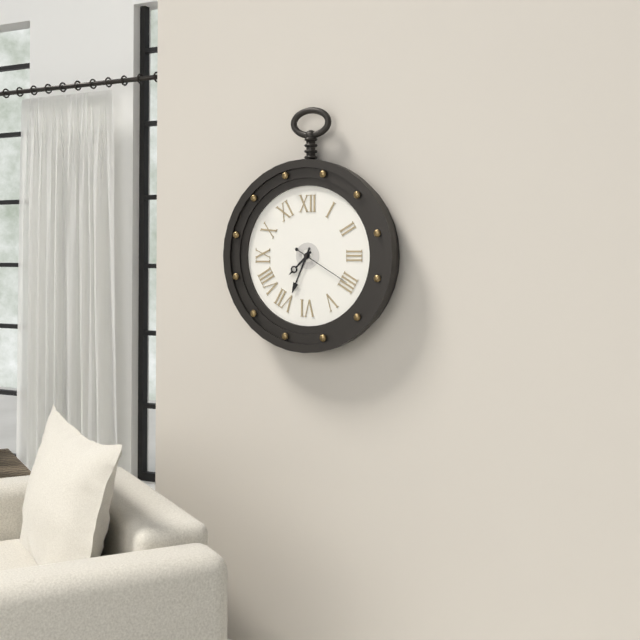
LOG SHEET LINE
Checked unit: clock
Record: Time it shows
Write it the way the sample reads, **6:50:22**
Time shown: **7:34:20**
